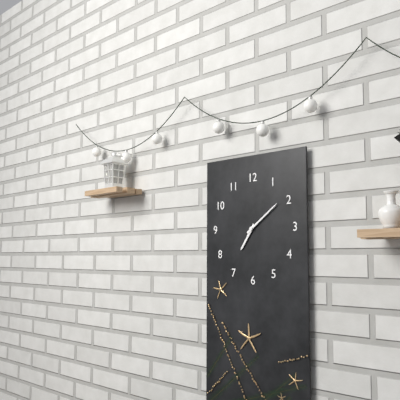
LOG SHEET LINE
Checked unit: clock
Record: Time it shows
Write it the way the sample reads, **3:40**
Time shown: **7:09**
